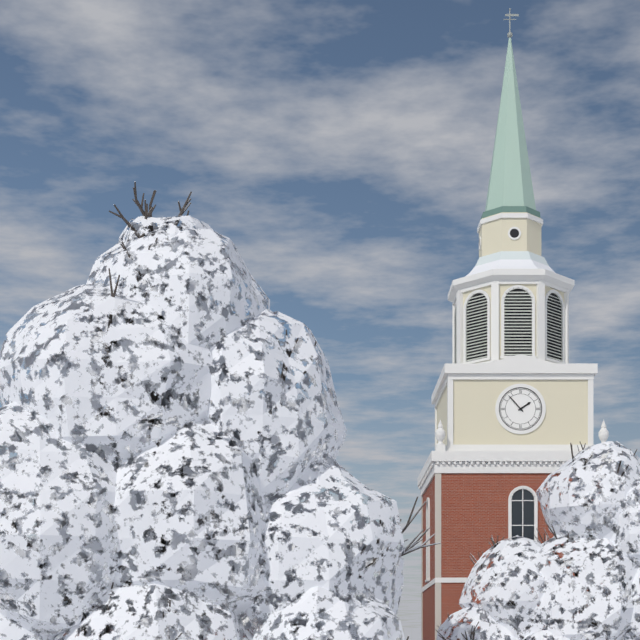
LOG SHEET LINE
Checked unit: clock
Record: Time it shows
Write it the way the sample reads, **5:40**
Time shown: **1:53**
